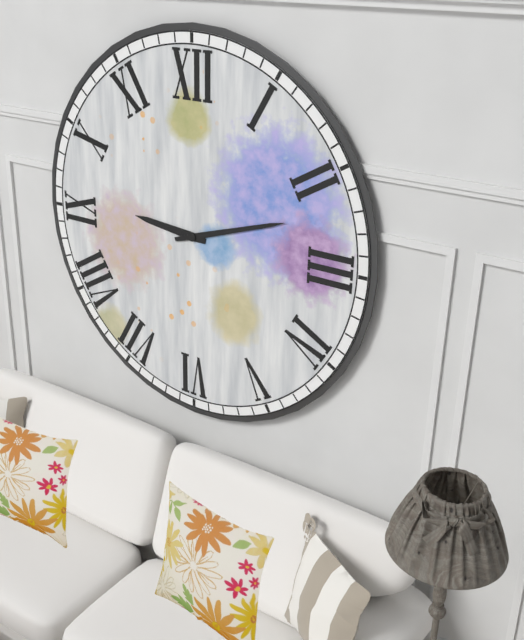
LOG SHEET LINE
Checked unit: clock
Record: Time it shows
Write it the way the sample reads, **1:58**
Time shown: **9:12**
